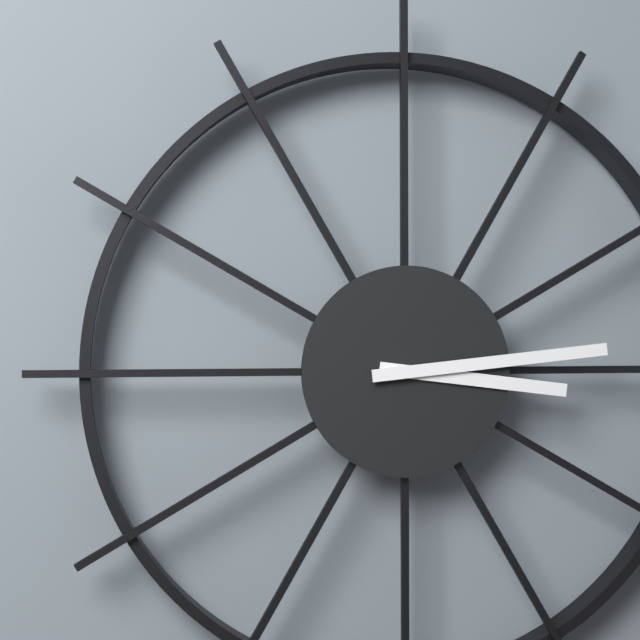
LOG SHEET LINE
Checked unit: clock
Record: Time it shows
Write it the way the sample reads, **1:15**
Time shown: **3:14**
